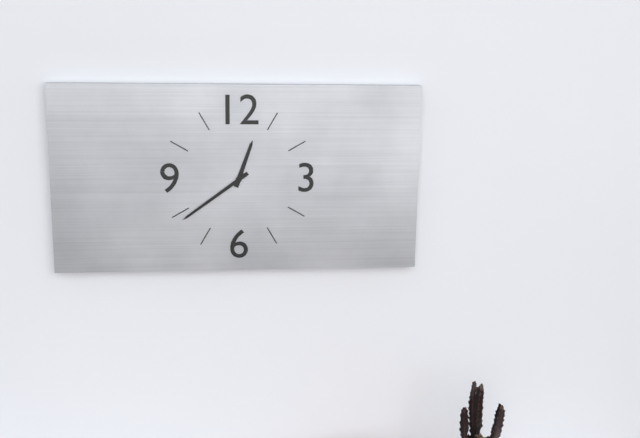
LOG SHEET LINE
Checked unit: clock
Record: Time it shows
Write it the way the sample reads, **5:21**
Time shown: **12:39**
